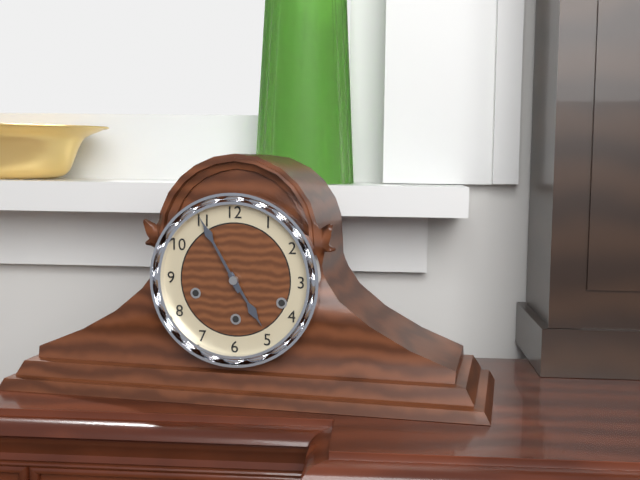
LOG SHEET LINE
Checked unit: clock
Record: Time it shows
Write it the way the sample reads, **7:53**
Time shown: **4:55**
